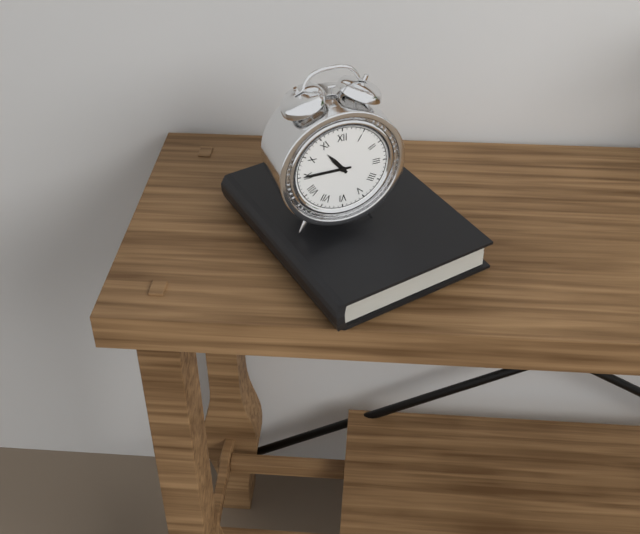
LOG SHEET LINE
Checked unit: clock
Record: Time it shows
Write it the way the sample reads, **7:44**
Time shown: **10:45**
